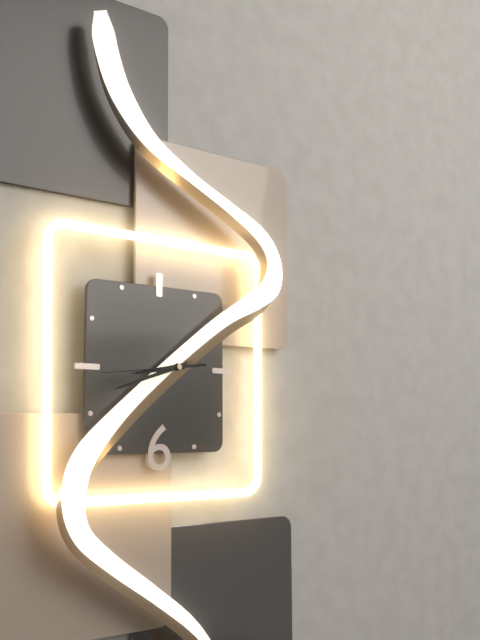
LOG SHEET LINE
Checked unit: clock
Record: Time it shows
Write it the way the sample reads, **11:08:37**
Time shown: **8:42:44**
